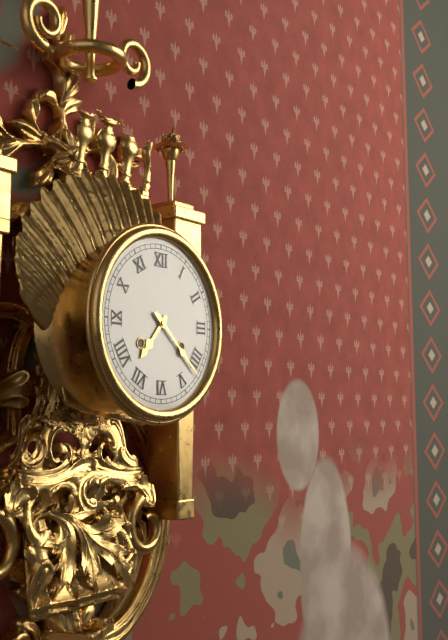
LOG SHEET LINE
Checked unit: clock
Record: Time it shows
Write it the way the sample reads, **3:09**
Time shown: **7:22**
